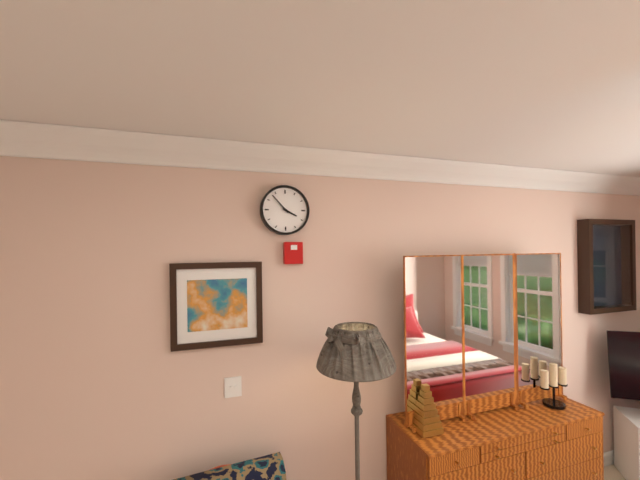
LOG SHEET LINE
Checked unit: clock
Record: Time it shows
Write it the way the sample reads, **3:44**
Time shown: **3:53**
